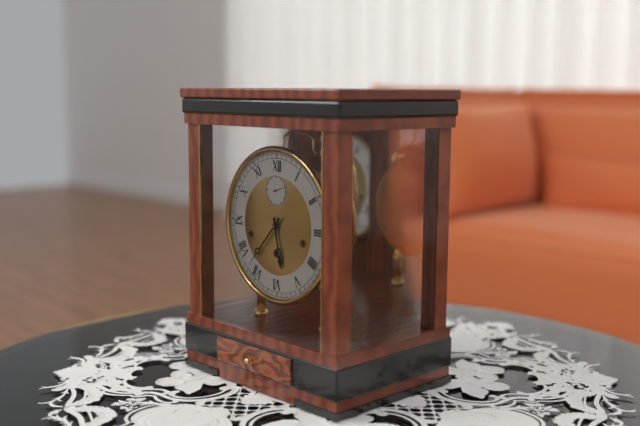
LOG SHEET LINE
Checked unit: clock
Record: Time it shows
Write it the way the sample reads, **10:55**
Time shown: **5:37**
